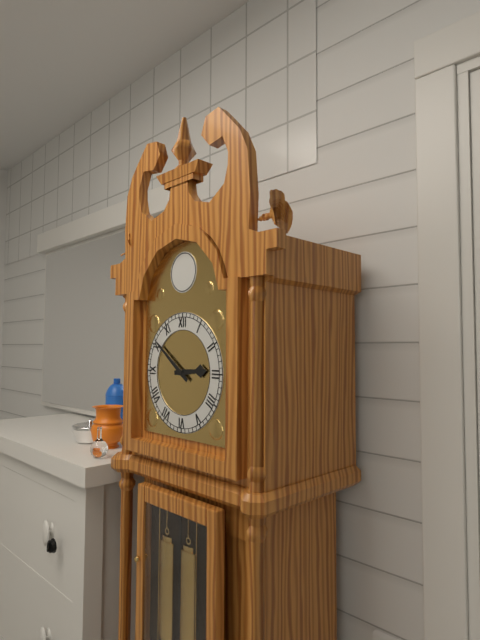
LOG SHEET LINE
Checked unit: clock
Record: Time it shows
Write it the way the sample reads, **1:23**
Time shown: **2:51**
